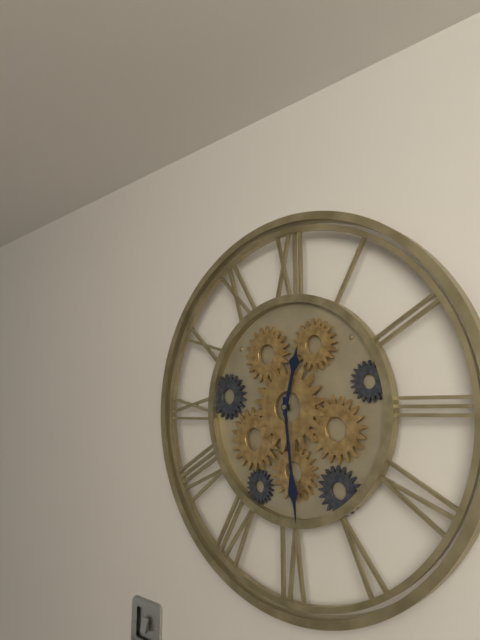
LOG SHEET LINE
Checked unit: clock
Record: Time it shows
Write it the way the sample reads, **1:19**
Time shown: **12:29**
